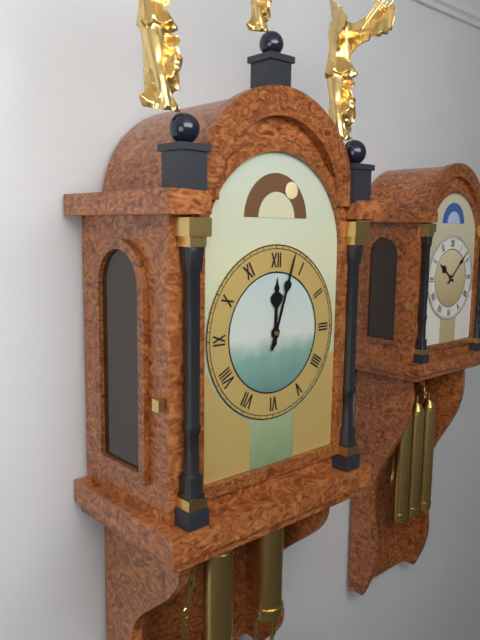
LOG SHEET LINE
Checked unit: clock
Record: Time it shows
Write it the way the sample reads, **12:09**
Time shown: **12:03**
